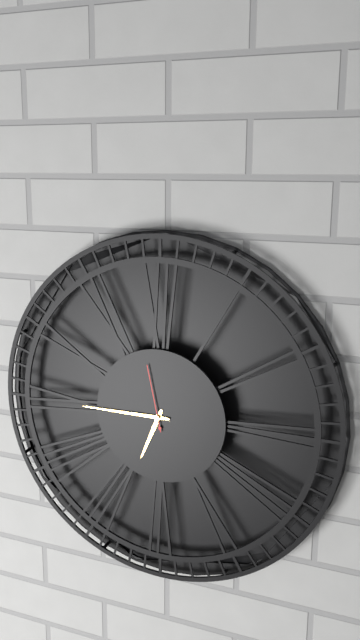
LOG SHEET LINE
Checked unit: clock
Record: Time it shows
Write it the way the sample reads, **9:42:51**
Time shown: **6:45:58**
